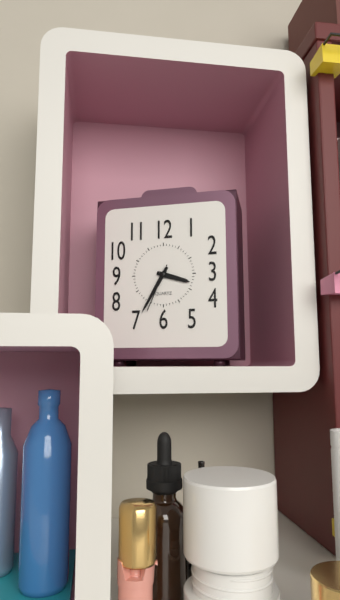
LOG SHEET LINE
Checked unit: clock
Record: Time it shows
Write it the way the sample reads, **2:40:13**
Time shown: **3:35:34**
